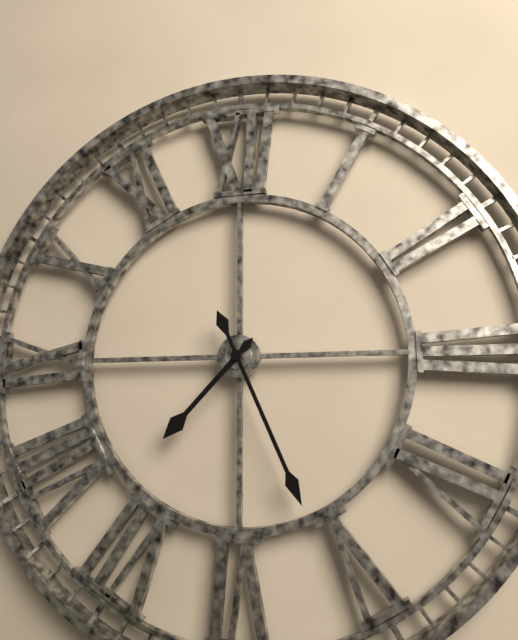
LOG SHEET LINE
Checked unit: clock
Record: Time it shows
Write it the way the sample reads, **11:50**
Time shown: **7:26**
